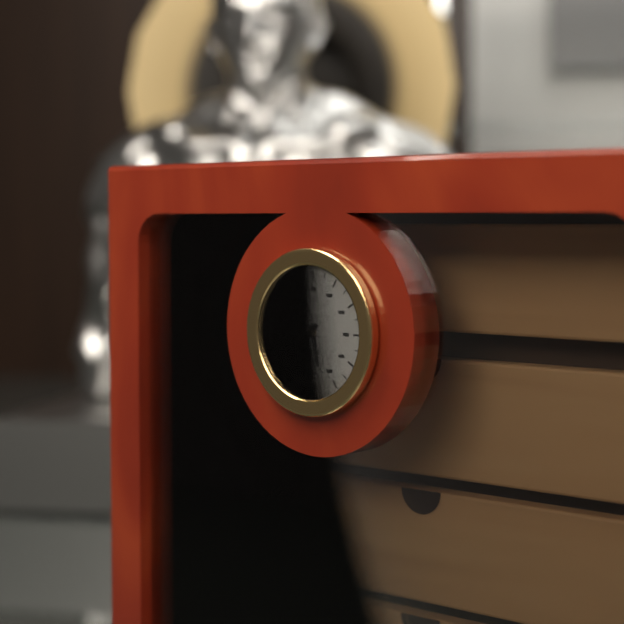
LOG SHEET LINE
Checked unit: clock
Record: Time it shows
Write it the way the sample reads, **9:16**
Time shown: **5:37**
